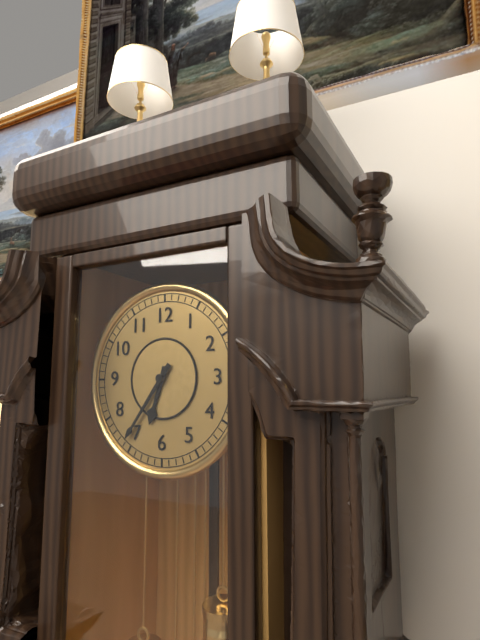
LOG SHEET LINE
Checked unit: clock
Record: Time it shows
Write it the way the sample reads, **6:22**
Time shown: **6:36**
